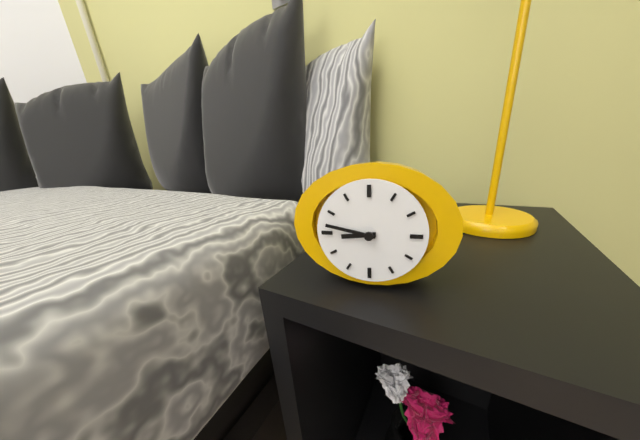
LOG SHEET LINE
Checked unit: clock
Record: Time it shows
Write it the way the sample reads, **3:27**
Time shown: **8:47**
